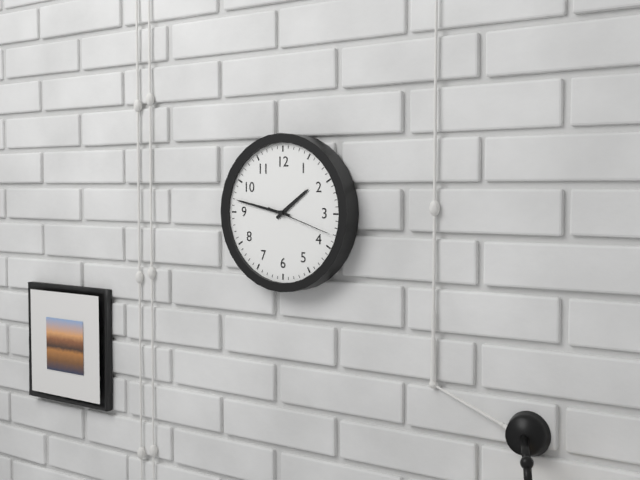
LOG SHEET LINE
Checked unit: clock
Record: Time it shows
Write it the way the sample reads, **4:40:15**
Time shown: **1:47:18**
